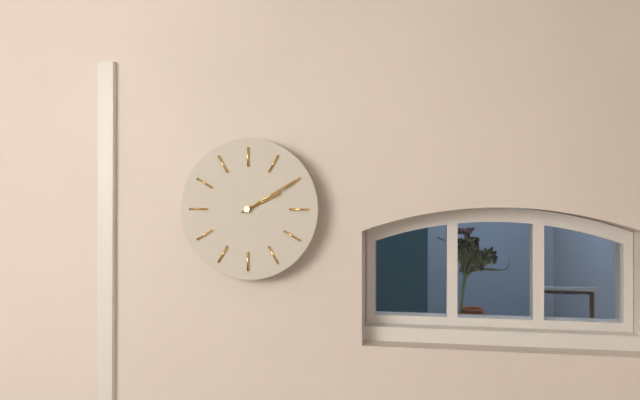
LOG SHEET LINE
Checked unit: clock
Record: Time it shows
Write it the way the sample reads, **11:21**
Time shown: **2:10**
